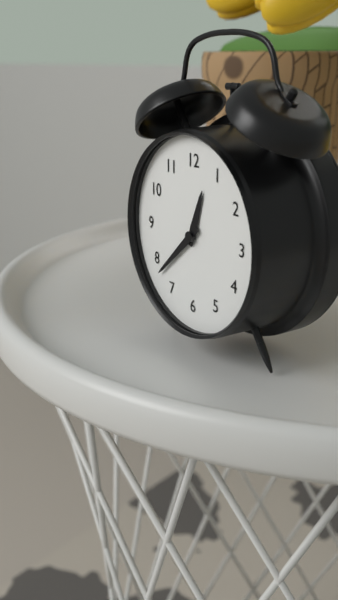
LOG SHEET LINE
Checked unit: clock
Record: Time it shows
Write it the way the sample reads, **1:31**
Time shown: **12:38**
